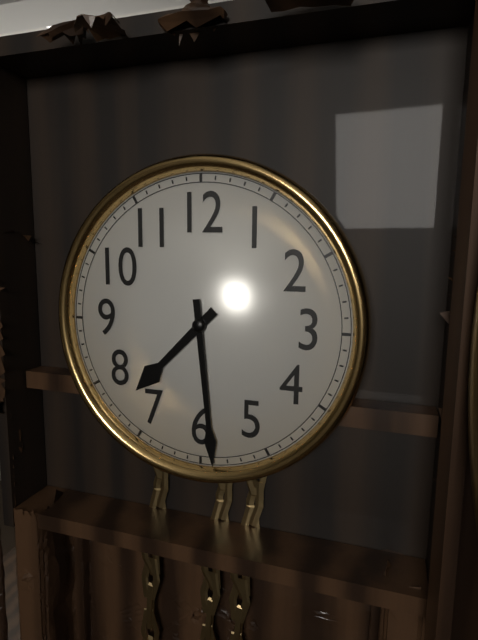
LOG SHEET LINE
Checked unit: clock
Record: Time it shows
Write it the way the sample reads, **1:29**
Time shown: **7:29**
